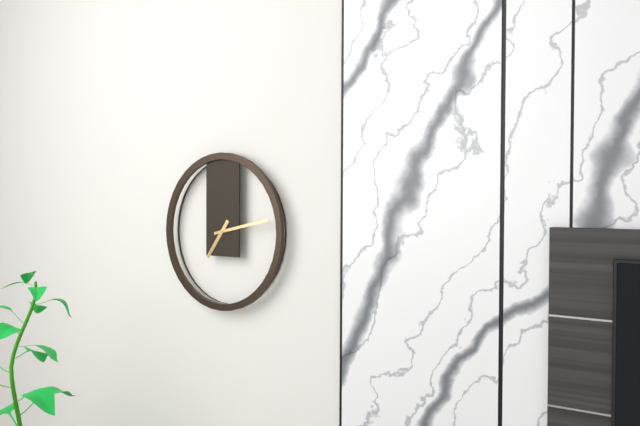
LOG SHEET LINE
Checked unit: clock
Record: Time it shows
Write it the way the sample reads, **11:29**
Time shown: **7:13**
